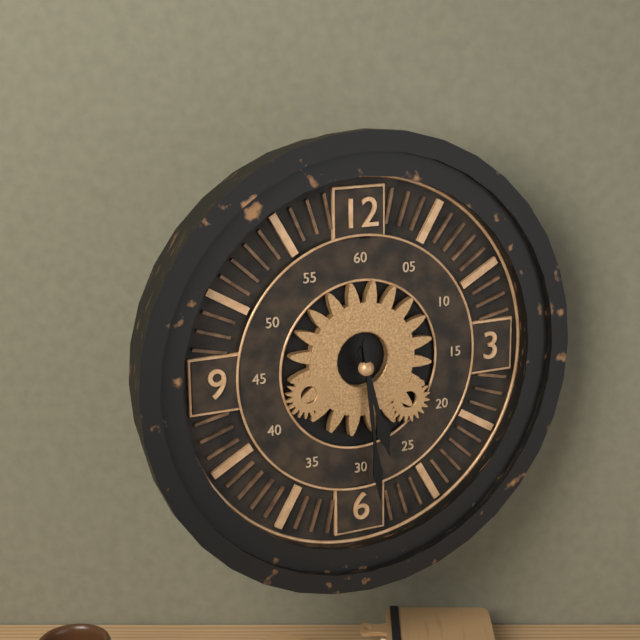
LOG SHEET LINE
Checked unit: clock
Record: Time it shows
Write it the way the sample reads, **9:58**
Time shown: **5:29**
